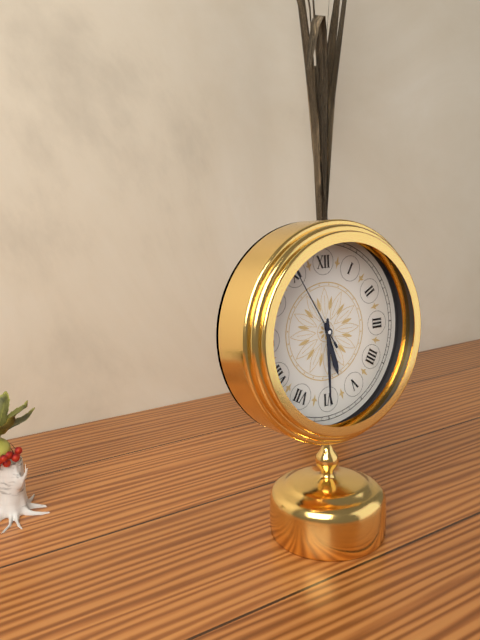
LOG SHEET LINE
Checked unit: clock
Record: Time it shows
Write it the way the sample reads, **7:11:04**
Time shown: **5:30:55**
